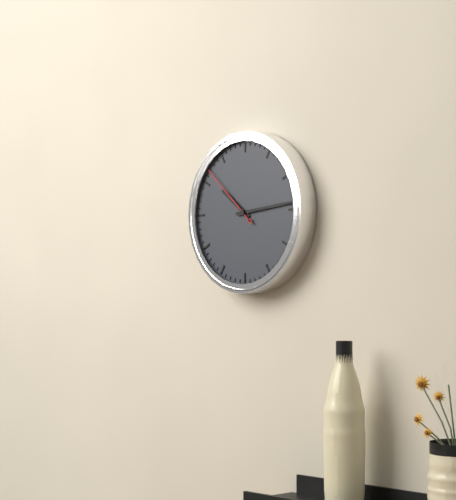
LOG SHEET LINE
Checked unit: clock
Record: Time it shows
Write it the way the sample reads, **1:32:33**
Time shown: **10:14:52**
